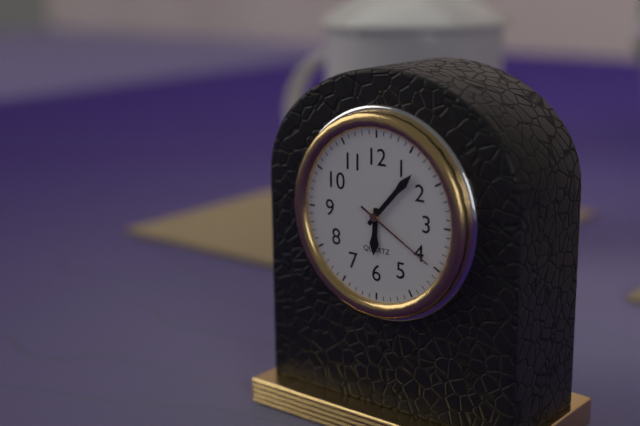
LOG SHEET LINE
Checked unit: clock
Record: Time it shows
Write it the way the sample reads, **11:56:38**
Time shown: **6:07:20**
